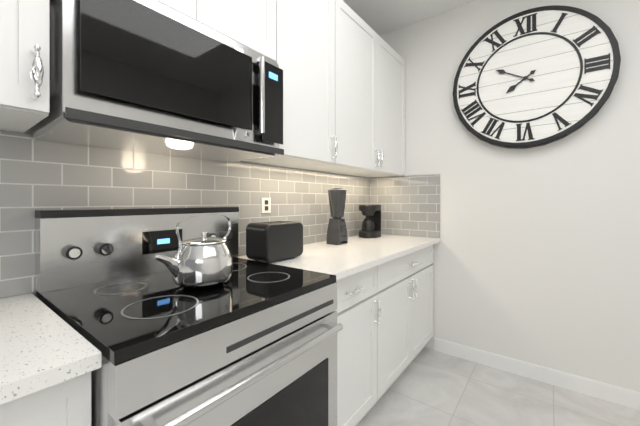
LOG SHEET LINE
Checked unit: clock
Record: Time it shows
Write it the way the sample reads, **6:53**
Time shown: **7:50**
